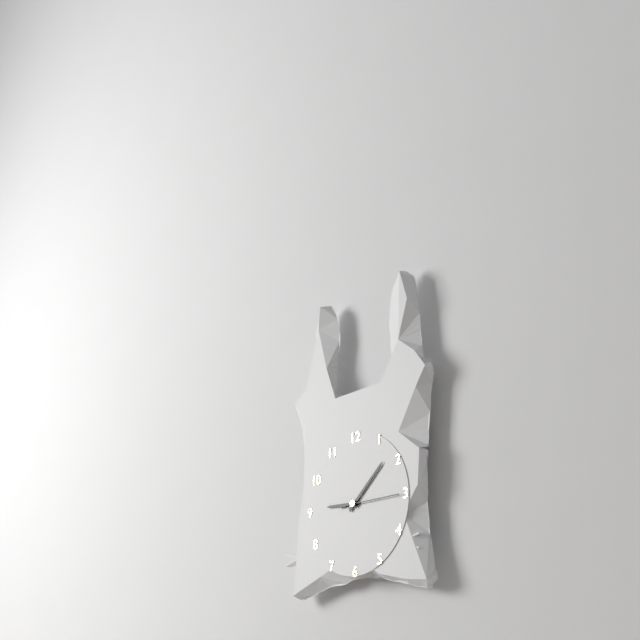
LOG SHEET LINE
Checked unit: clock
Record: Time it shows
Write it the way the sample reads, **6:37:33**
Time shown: **9:08:15**
